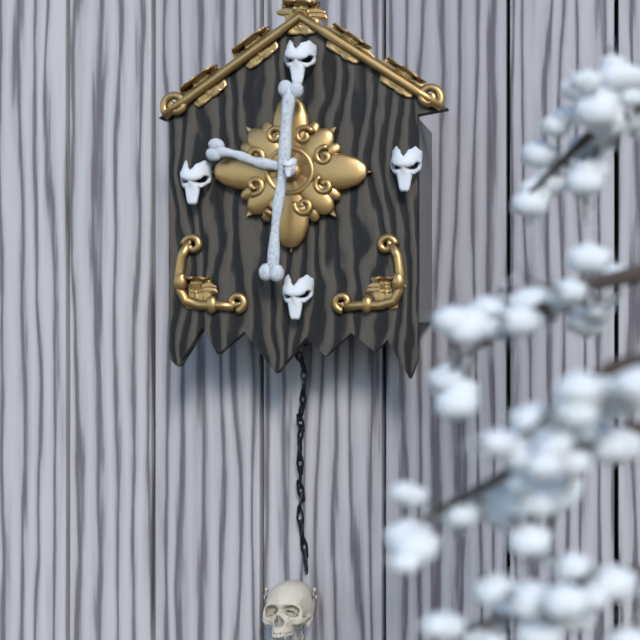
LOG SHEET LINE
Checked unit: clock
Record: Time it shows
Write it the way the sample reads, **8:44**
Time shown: **9:31**
